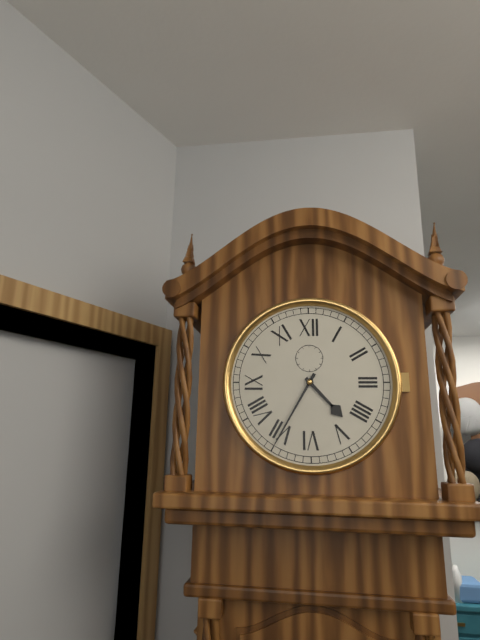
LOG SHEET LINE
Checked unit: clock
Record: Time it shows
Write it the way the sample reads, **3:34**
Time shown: **4:35**
